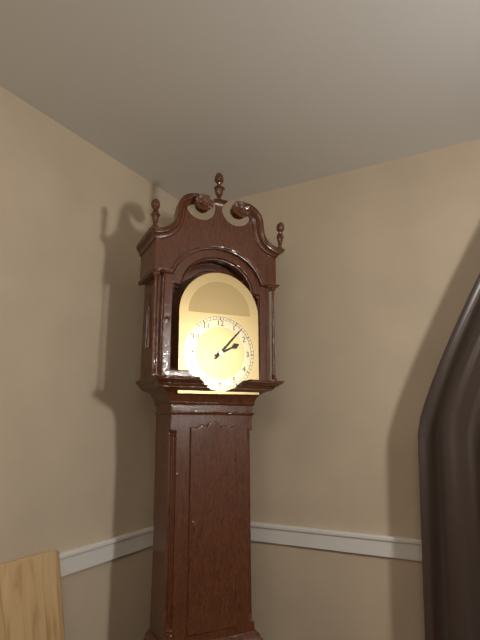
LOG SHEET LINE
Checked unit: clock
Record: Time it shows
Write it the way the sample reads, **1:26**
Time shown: **2:07**
